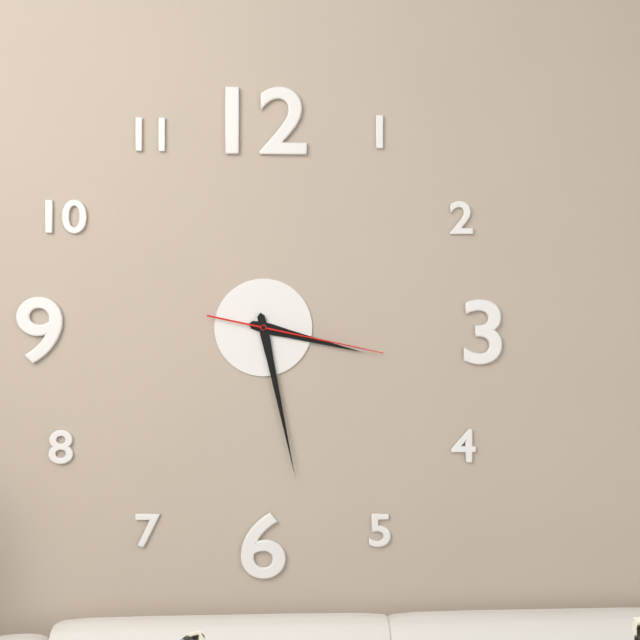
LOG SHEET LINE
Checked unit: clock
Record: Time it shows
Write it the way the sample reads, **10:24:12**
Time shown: **3:28:17**
